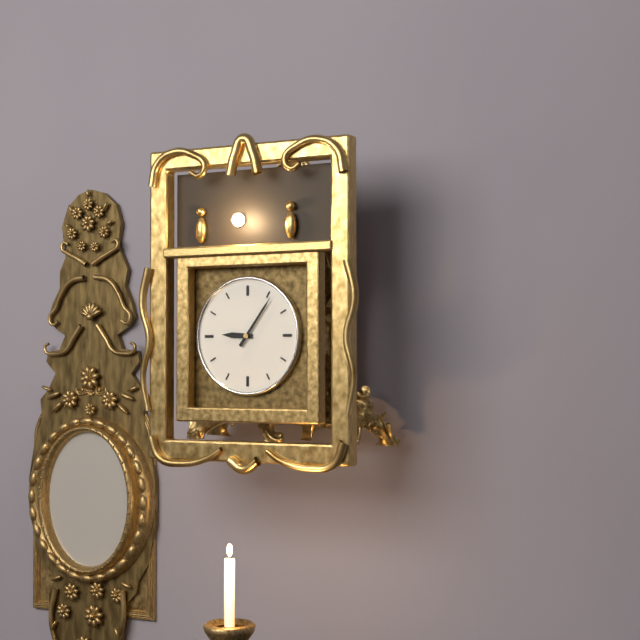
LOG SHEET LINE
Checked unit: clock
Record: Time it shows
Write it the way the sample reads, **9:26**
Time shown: **9:06**
